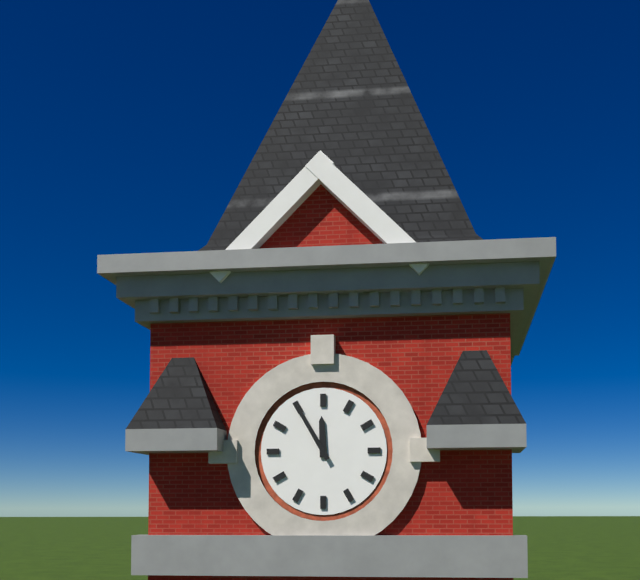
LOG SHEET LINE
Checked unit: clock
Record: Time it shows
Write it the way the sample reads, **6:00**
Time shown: **11:55**
